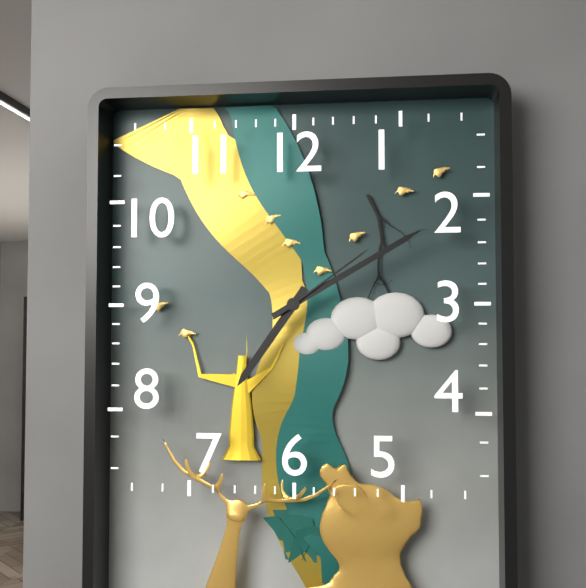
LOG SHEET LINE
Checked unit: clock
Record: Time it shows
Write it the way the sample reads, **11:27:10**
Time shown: **7:10:09**
